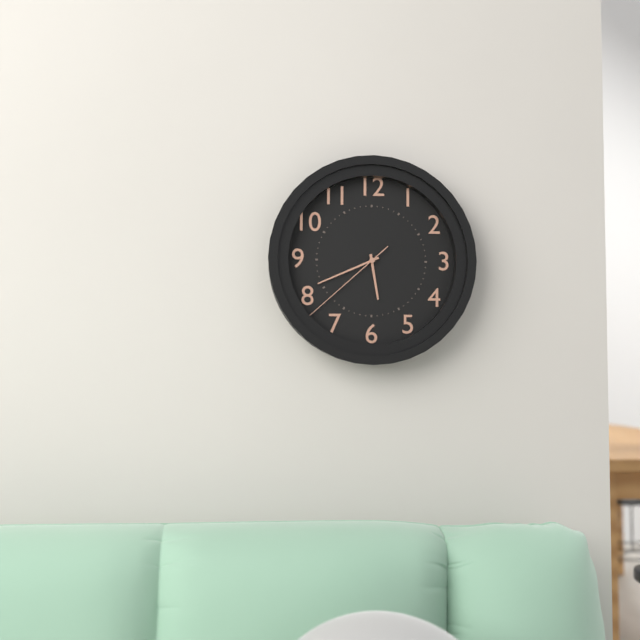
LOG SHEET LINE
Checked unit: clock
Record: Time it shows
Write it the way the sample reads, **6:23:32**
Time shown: **5:41:38**
